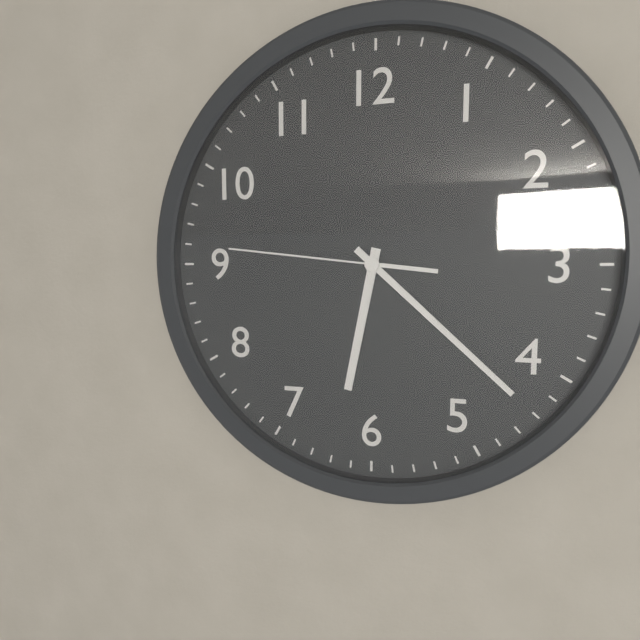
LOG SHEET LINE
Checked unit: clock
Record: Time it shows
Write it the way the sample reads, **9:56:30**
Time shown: **6:22:46**
